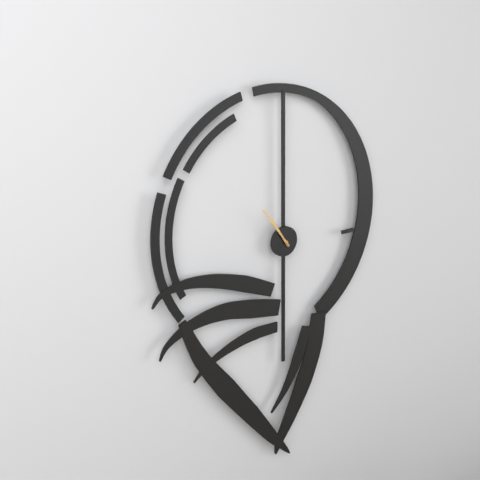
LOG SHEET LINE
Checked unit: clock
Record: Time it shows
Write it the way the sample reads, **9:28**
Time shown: **10:54**
